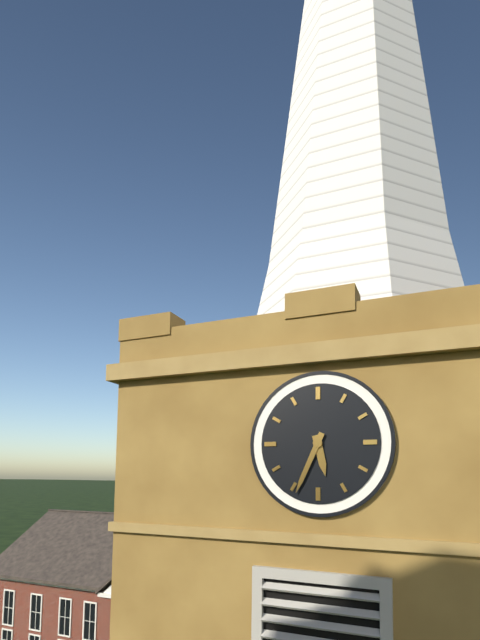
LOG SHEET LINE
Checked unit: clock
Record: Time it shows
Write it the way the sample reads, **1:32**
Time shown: **5:34**
